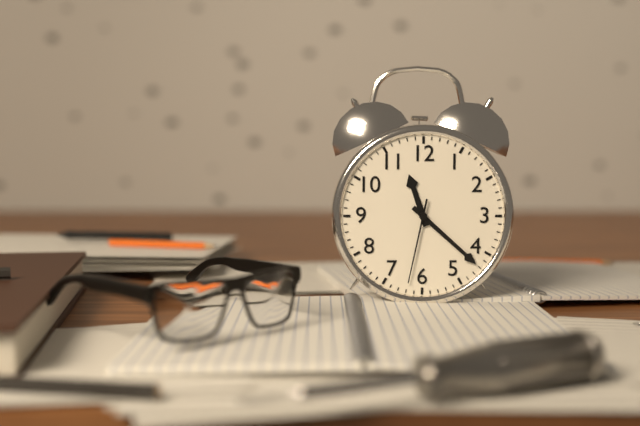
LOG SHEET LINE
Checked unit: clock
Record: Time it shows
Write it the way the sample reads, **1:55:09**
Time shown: **11:22:32**
